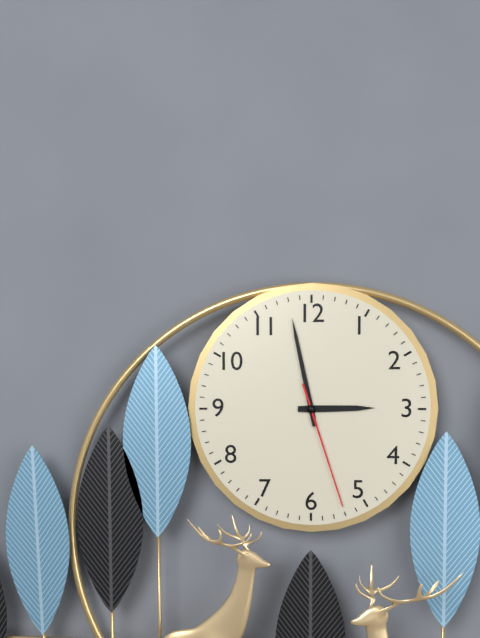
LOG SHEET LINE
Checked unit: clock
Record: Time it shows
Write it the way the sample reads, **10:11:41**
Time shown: **2:58:27**
